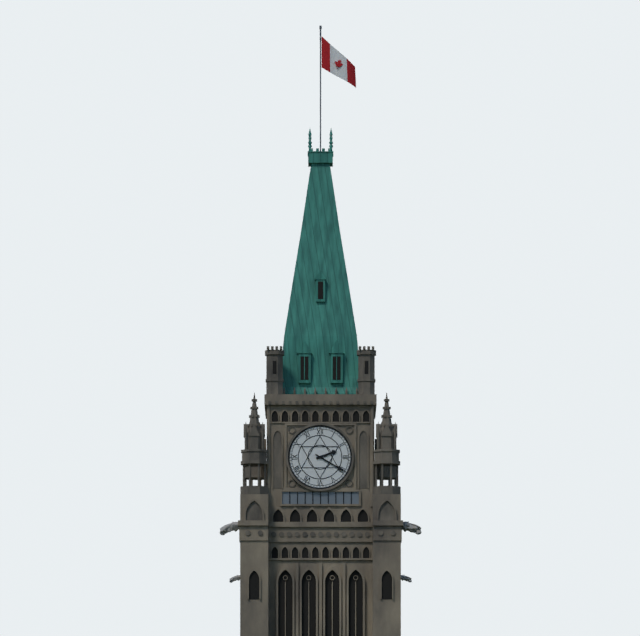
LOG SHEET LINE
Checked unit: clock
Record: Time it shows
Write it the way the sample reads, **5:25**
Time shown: **2:20**
